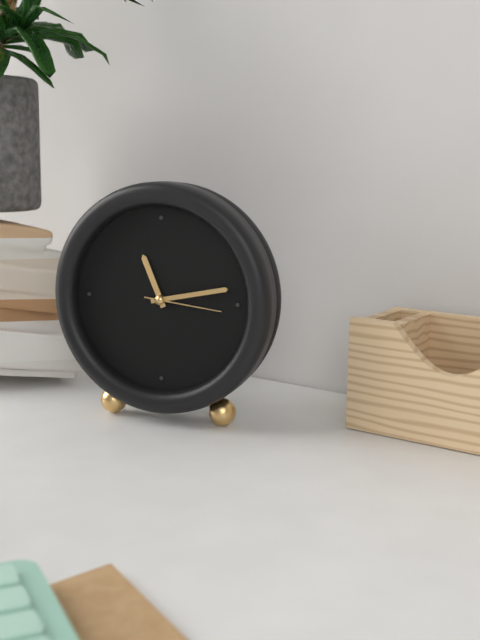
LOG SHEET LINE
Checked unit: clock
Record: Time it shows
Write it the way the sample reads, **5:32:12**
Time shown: **11:13:16**
